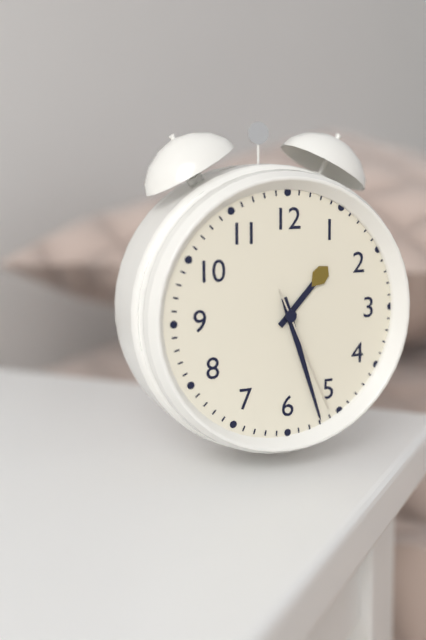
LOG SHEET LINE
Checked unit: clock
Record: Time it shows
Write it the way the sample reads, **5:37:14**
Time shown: **1:27:26**
